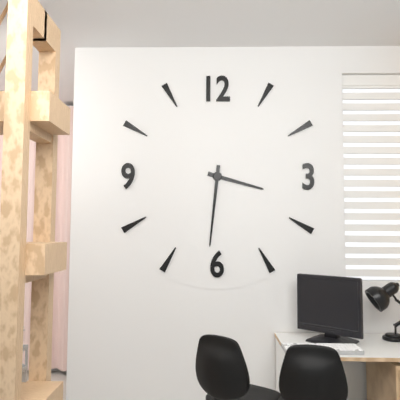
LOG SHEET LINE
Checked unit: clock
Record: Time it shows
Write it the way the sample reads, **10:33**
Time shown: **3:31**
